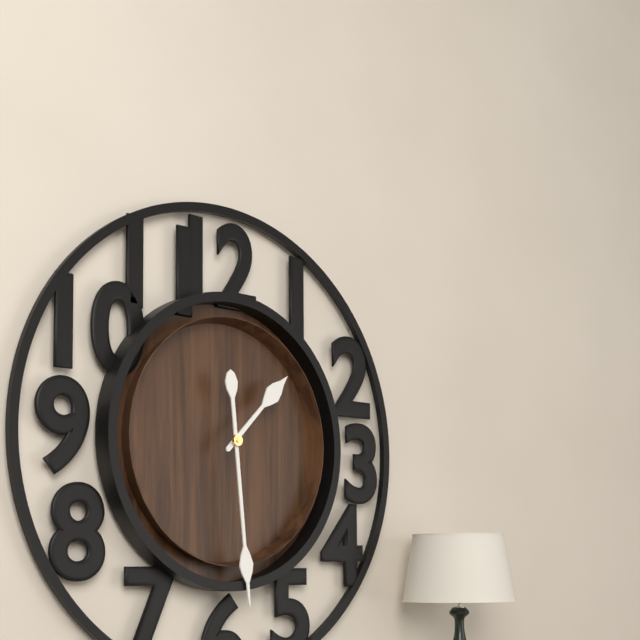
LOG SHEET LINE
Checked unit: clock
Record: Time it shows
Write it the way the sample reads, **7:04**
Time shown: **1:29**
